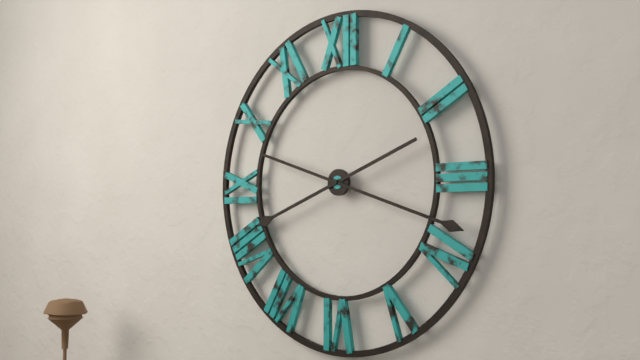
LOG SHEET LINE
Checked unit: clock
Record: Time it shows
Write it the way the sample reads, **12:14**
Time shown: **8:18**
